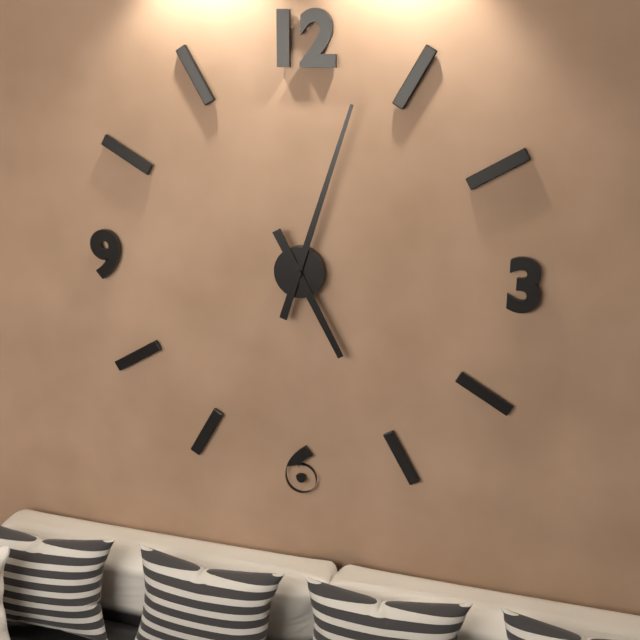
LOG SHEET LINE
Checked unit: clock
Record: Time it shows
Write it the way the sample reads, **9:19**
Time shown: **5:03**
